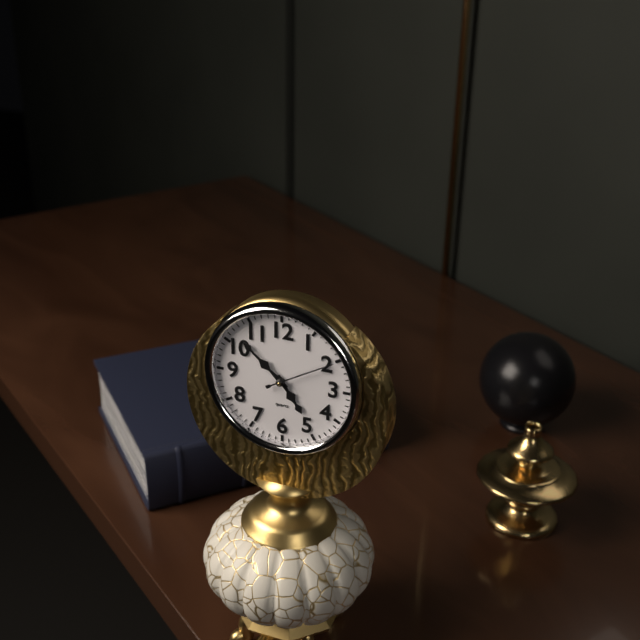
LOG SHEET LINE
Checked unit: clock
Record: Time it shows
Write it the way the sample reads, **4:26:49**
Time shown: **4:52:10**
